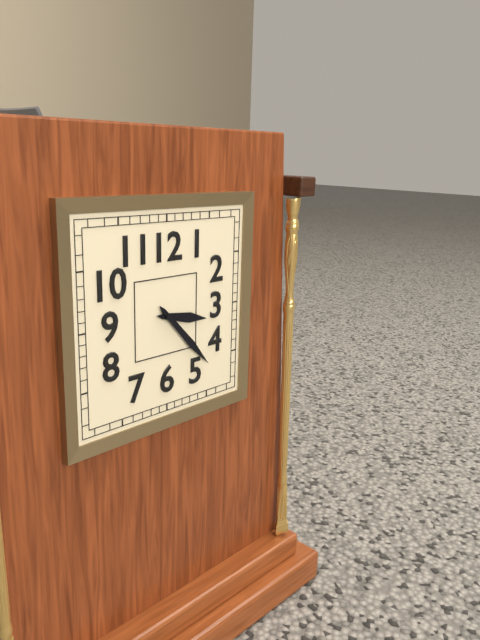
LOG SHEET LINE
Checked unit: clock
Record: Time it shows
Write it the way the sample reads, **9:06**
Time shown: **3:23**
